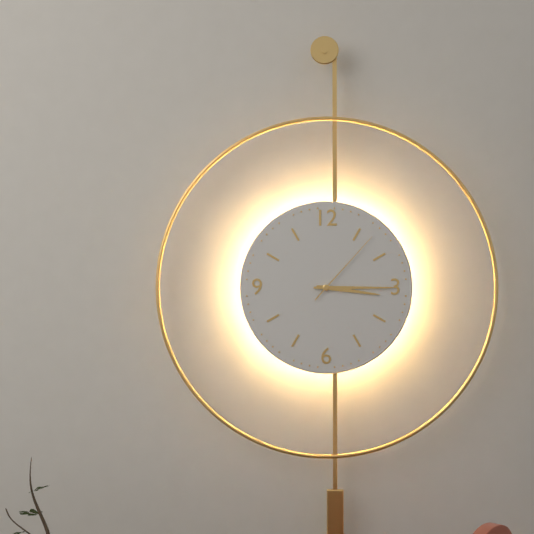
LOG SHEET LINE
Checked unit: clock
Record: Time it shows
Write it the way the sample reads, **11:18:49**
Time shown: **3:15:07**
